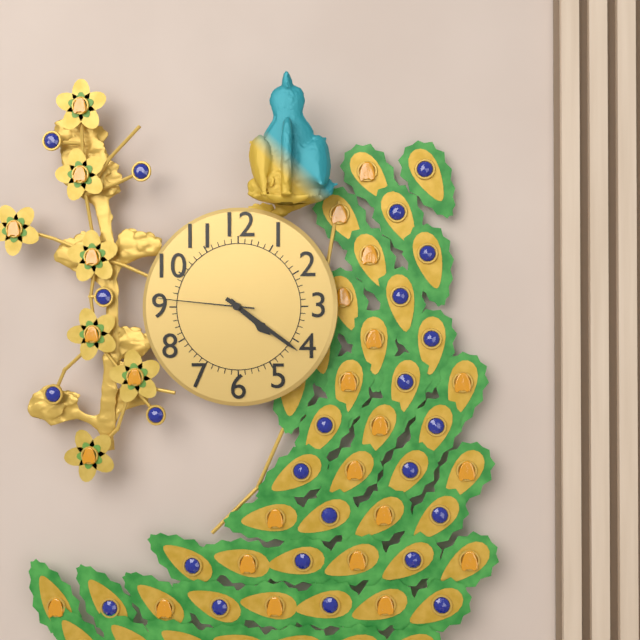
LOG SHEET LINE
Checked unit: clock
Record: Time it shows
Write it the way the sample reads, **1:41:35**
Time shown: **4:21:46**
